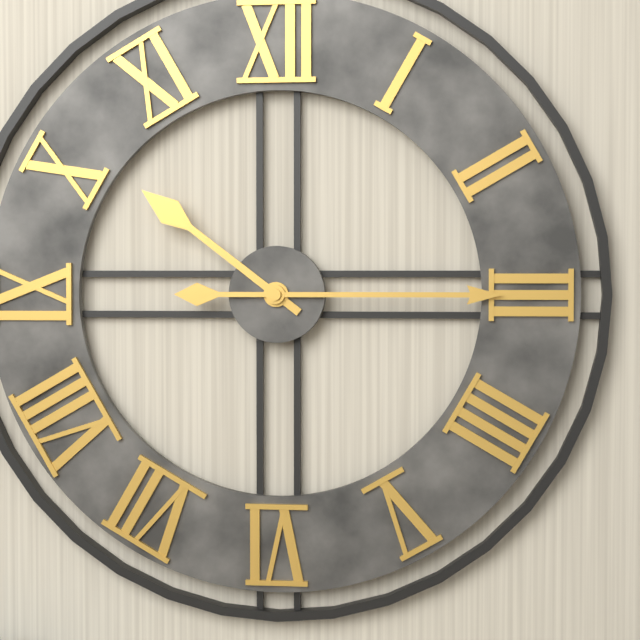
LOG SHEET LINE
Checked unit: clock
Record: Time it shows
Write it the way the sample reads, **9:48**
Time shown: **10:15**
